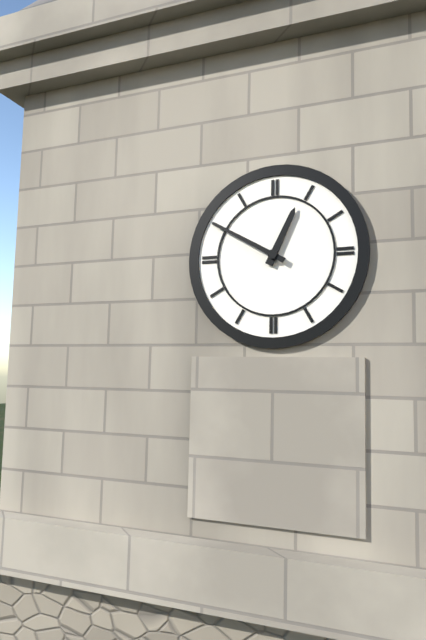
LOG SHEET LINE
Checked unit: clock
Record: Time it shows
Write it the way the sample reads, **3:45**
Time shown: **12:50**
